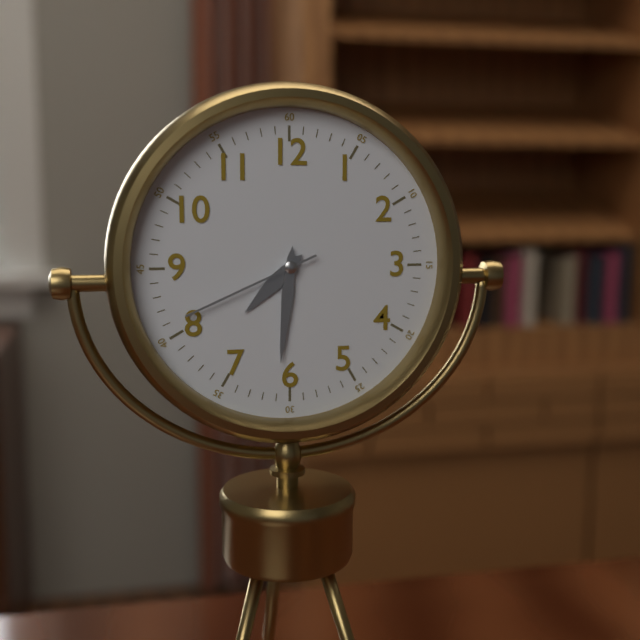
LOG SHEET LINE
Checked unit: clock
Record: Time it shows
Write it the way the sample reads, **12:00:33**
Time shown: **7:31:41**
